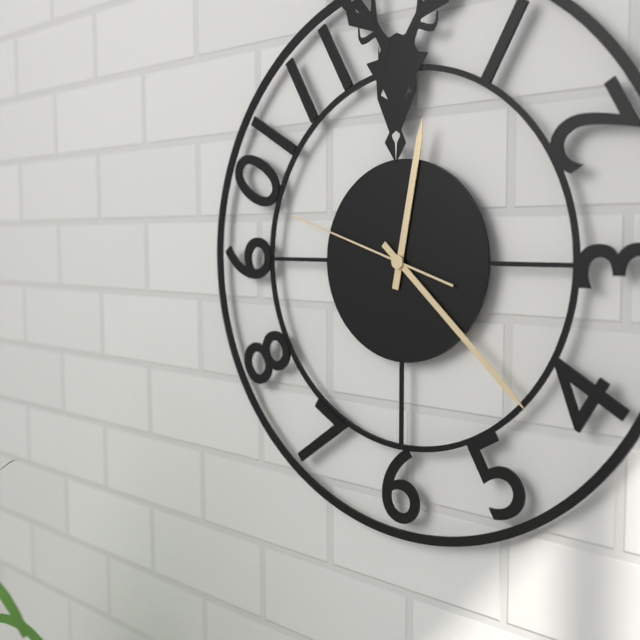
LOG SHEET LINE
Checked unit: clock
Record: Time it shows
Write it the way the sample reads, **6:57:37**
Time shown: **12:22:48**
